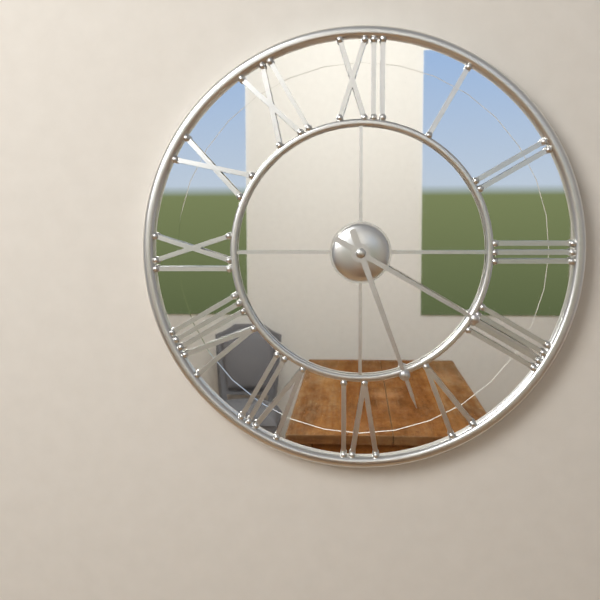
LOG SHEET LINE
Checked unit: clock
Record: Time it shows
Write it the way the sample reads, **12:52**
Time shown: **5:20**
